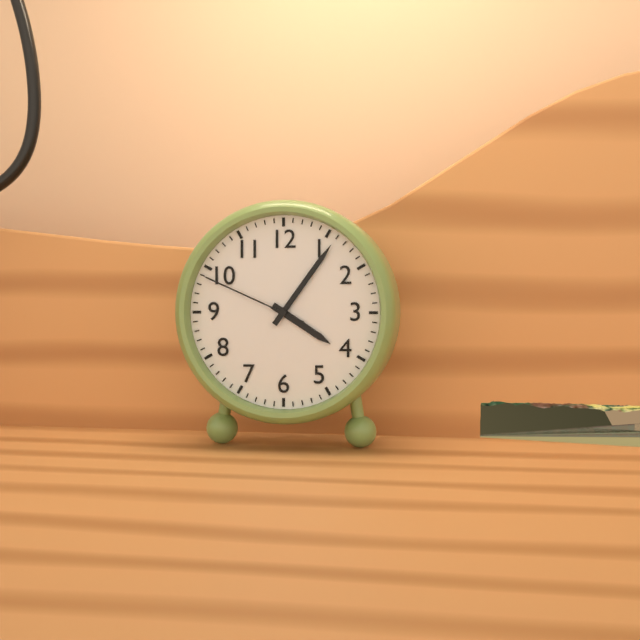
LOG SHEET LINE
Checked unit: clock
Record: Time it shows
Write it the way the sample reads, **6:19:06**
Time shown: **4:06:49**
